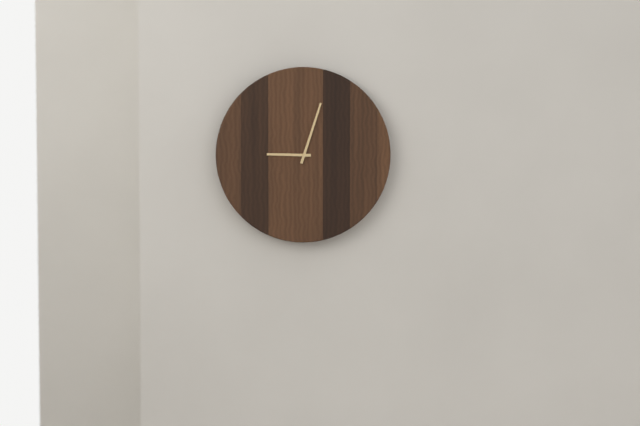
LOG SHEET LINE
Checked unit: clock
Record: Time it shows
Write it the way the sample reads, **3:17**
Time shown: **9:03**
